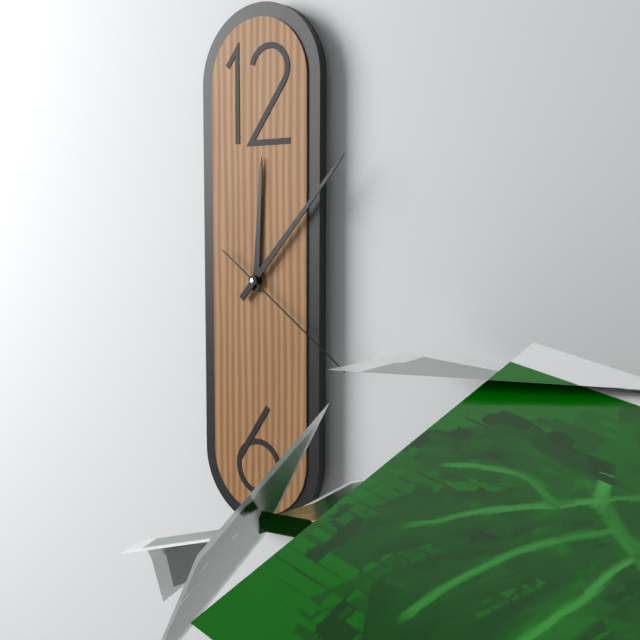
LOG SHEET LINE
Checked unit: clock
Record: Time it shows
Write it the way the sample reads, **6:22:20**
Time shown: **12:07:21**
